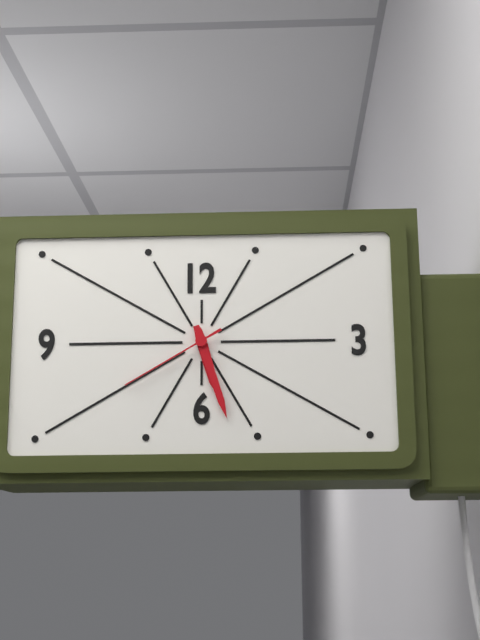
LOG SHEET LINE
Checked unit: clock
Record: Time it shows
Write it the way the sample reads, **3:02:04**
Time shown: **5:27:40**
